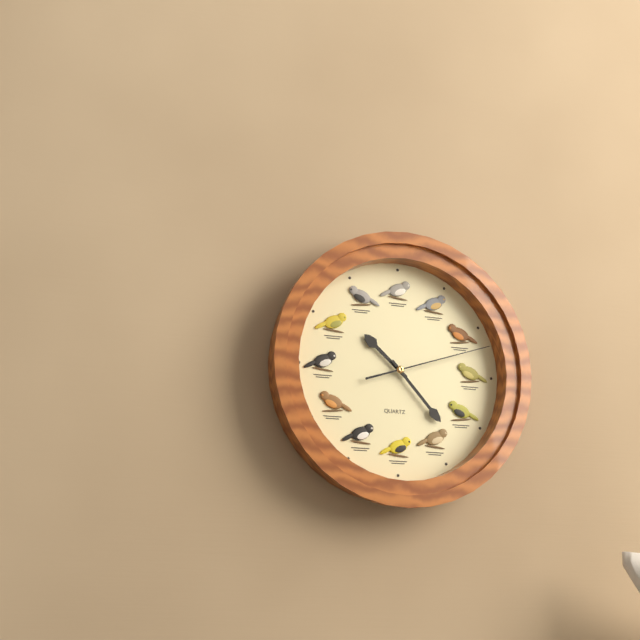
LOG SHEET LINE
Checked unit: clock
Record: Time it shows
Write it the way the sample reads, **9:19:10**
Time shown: **10:23:12**
